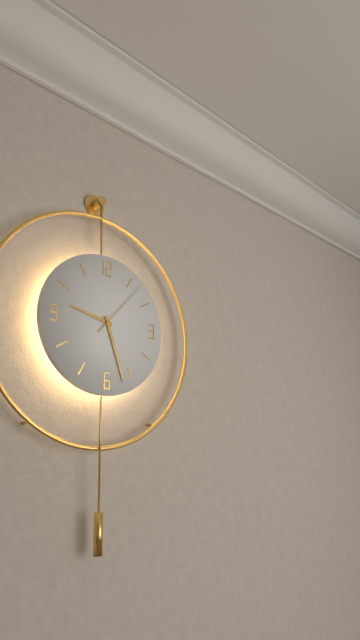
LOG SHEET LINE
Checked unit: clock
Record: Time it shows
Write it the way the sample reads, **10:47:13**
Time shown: **9:27:07**
